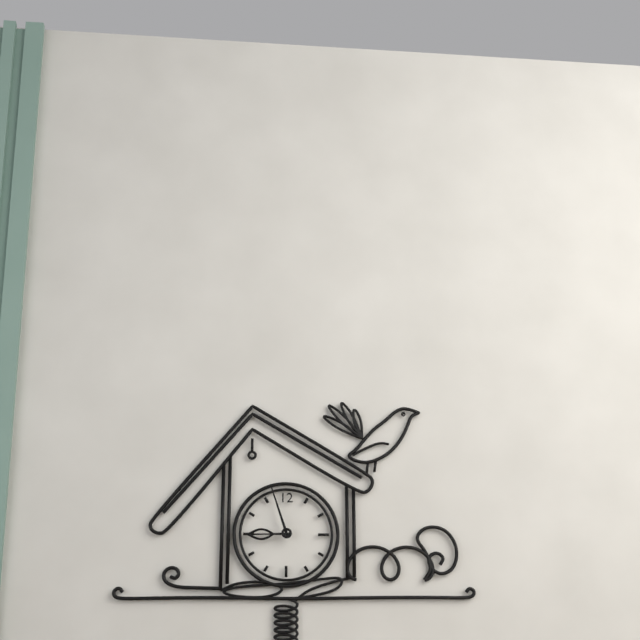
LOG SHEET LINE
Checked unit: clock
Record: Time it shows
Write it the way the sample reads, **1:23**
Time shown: **8:57**
